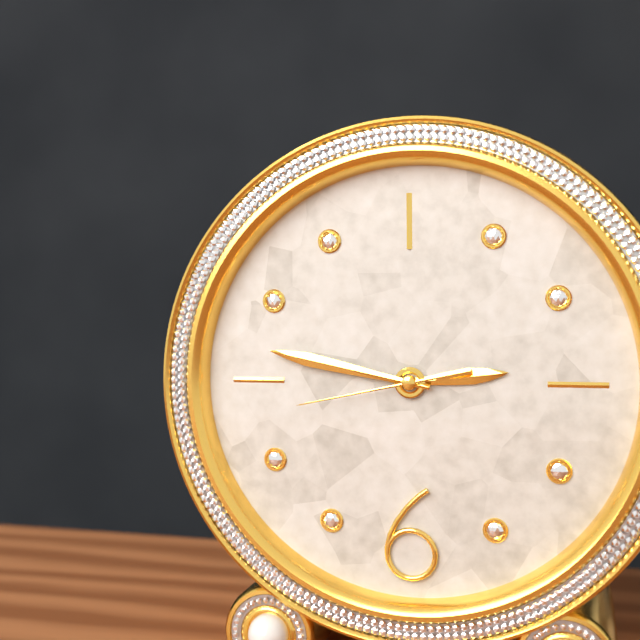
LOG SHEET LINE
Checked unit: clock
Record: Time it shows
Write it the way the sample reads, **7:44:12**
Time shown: **2:47:43**
